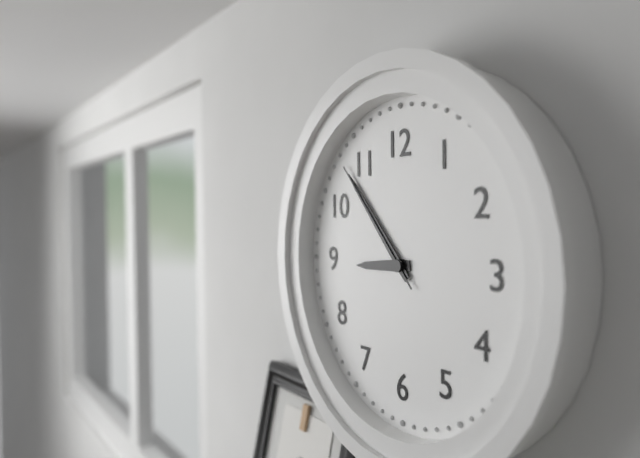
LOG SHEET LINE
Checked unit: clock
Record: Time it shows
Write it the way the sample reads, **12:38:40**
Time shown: **8:53:53**
